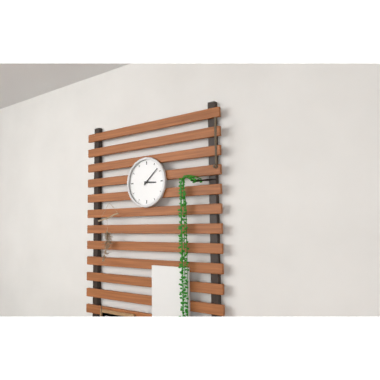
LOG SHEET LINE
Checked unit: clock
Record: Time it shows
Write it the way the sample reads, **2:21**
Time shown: **3:08**
